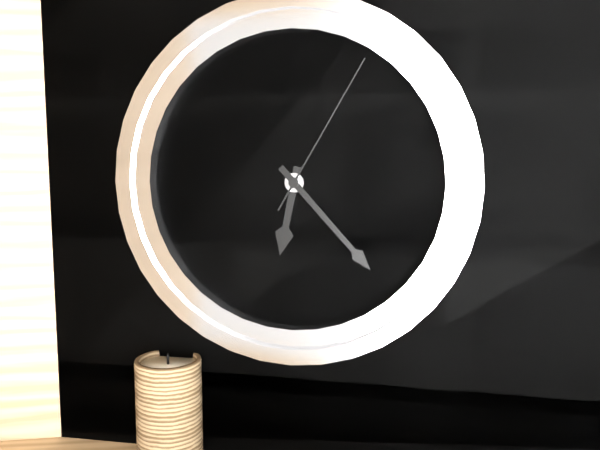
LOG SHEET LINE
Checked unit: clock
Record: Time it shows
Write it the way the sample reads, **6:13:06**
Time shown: **6:23:05**
